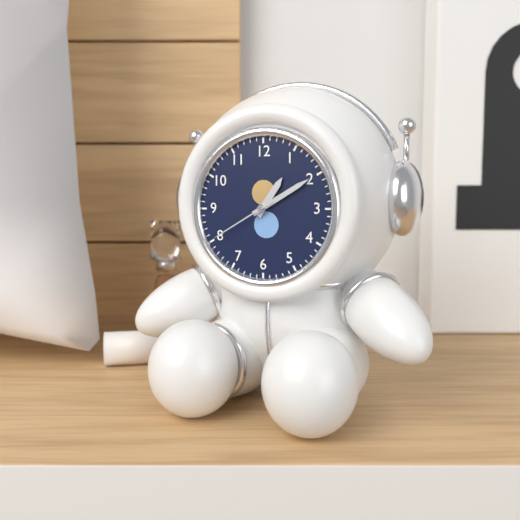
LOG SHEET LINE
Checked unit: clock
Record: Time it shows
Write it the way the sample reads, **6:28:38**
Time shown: **1:10:40**
